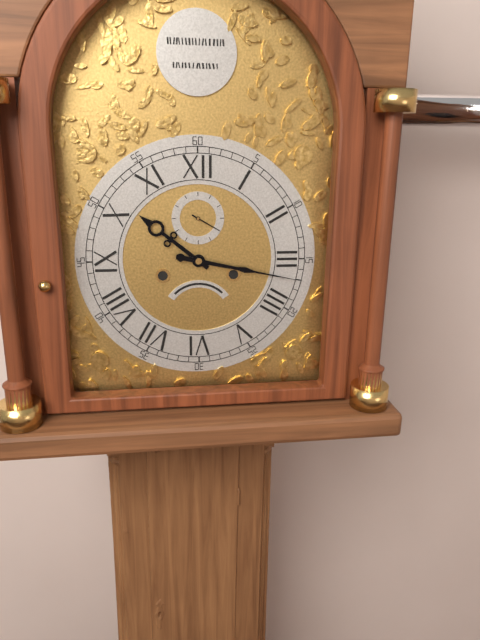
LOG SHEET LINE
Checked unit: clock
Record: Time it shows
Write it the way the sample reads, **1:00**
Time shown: **10:17**
